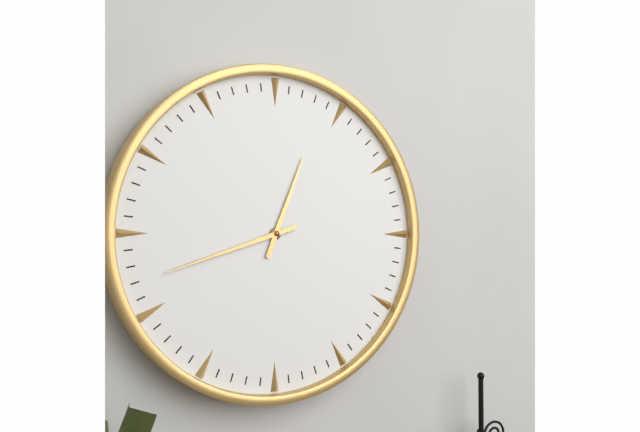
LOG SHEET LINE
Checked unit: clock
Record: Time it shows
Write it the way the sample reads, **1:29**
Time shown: **12:42**
